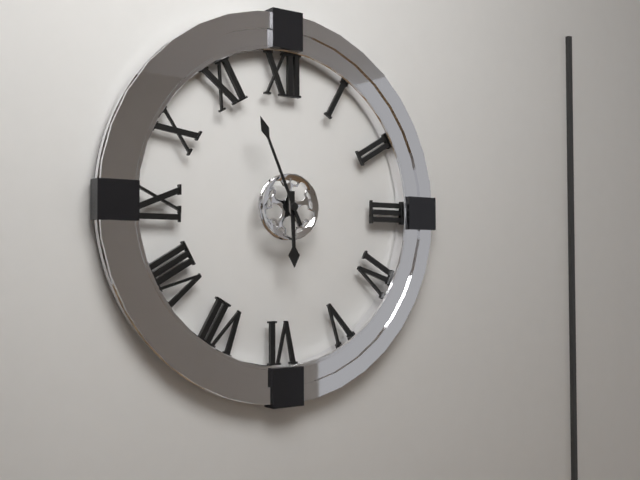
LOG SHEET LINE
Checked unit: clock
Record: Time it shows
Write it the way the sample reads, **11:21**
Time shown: **5:56**
